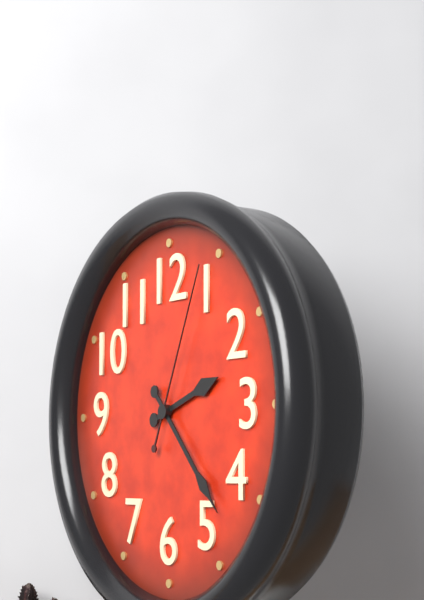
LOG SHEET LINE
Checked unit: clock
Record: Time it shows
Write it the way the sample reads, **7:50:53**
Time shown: **2:23:04**
